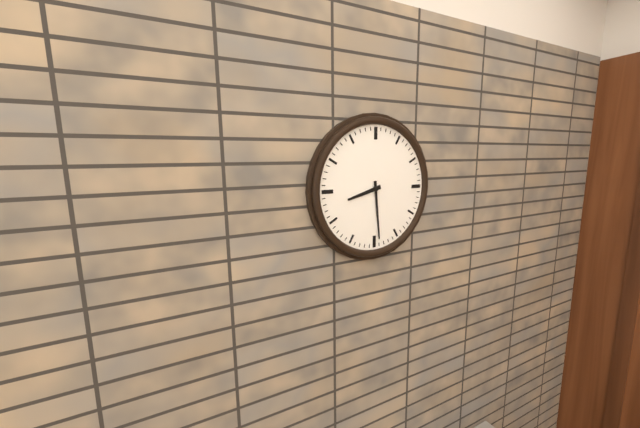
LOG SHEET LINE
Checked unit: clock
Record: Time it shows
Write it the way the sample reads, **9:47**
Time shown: **8:29**
